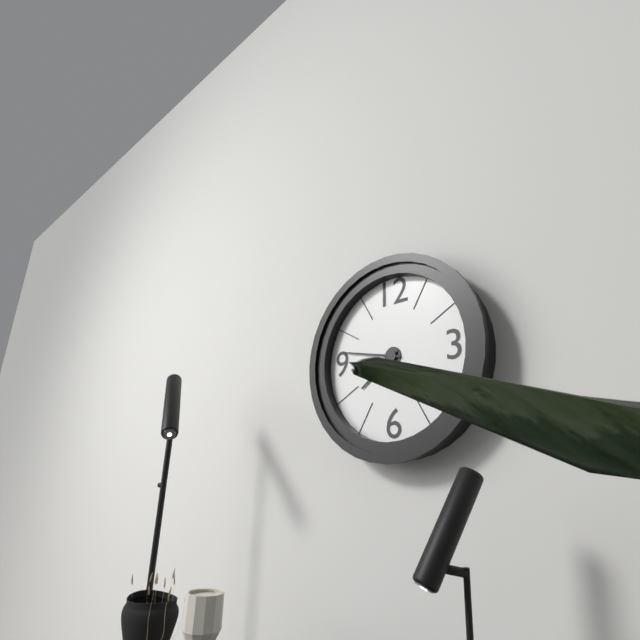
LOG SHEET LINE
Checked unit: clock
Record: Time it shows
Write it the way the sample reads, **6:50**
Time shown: **7:47**
